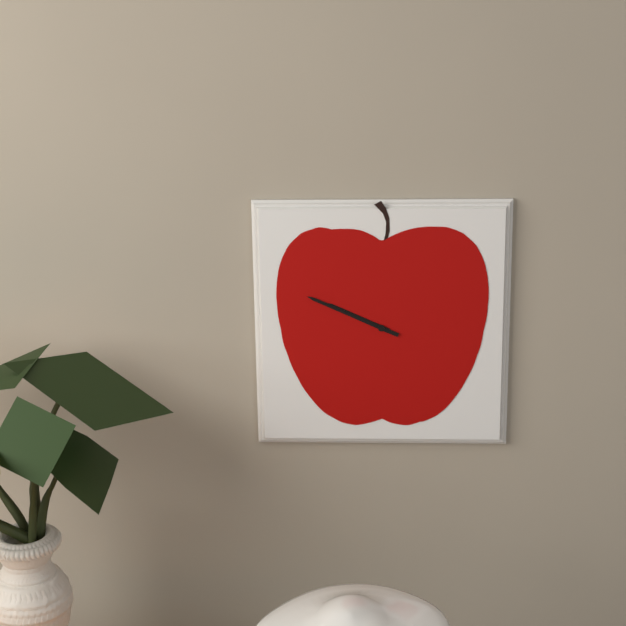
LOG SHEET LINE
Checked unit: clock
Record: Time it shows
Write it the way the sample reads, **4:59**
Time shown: **9:49**
